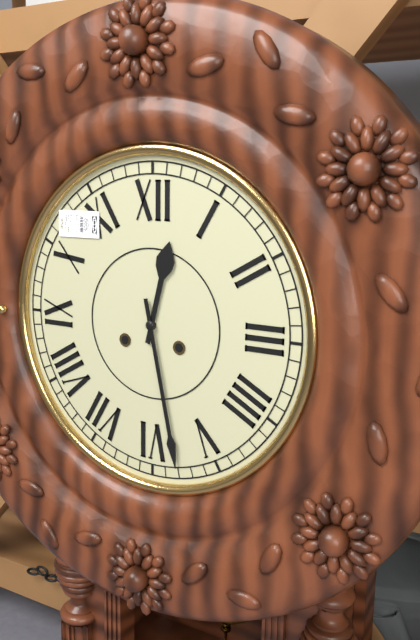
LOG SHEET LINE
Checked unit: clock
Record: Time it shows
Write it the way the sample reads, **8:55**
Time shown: **12:28**
